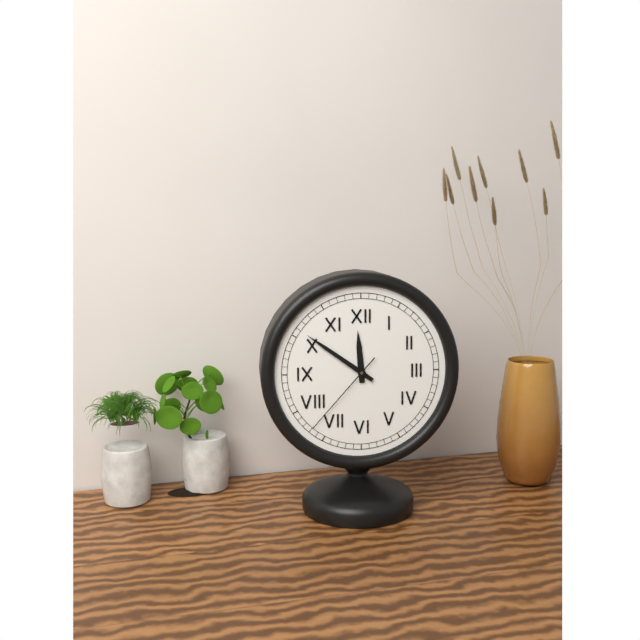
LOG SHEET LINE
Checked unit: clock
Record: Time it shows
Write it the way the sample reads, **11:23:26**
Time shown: **11:51:37**
